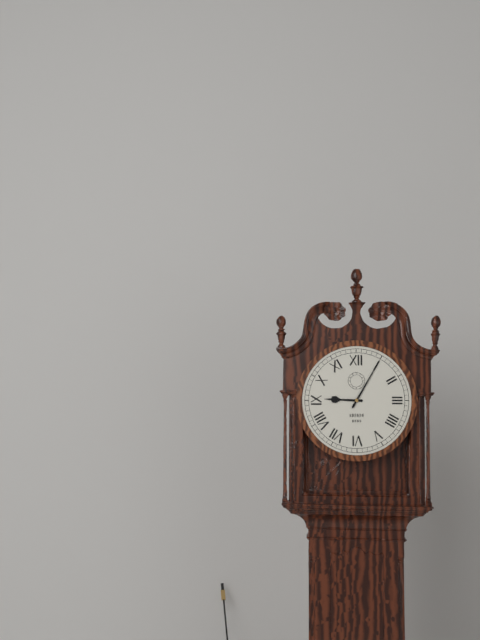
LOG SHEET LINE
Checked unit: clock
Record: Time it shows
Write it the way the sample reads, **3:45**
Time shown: **9:05**
